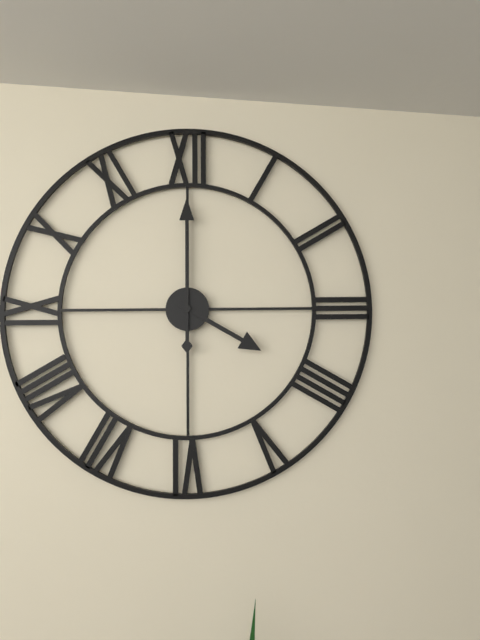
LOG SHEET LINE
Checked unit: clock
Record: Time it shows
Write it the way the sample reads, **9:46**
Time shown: **4:00**
